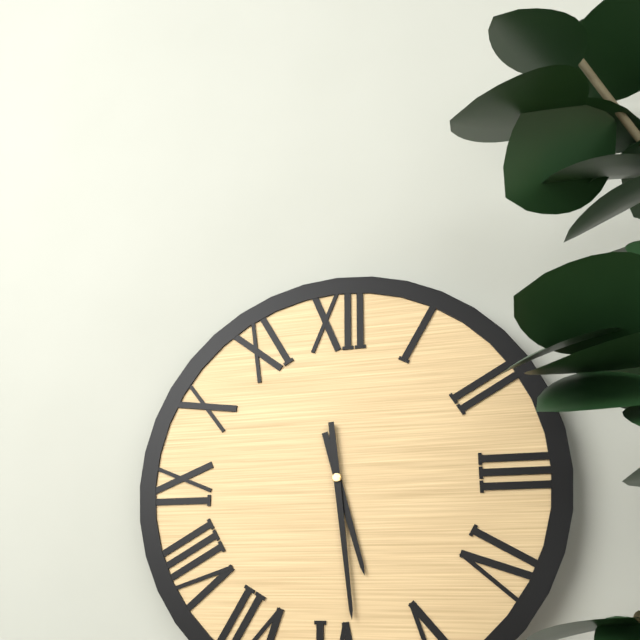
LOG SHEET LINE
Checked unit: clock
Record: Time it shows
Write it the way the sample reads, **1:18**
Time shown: **5:29**
